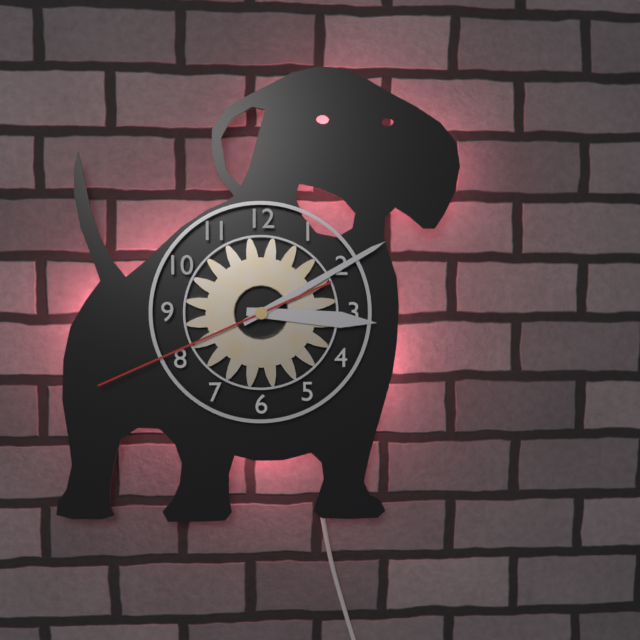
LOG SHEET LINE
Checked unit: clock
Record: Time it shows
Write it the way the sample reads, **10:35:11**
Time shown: **3:10:41**
